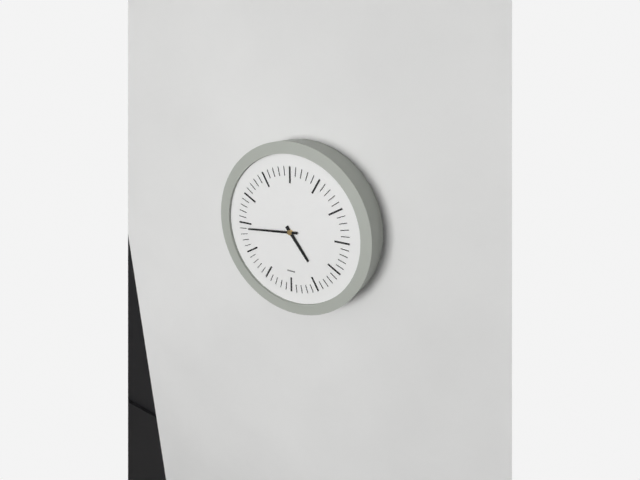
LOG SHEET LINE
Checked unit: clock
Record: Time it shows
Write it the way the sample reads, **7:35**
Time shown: **4:44**
